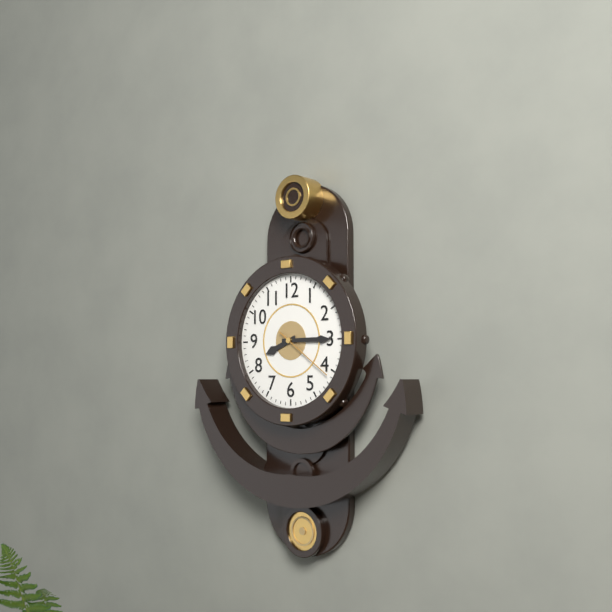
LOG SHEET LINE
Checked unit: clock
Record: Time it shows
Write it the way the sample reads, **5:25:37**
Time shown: **8:15:21**
